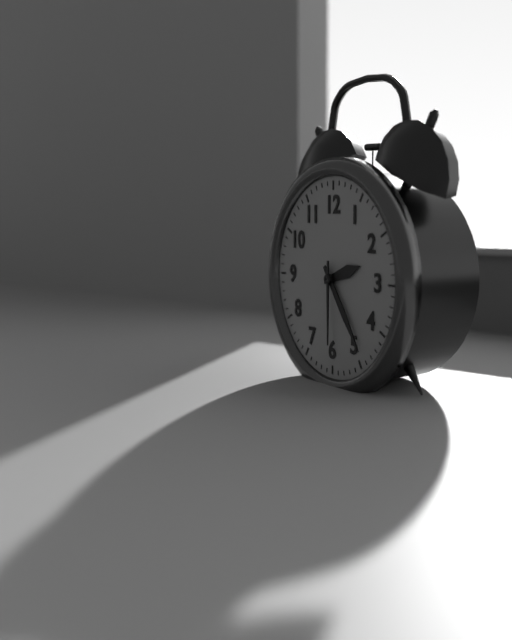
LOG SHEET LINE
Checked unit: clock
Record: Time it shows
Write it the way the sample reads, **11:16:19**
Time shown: **2:24:30**
